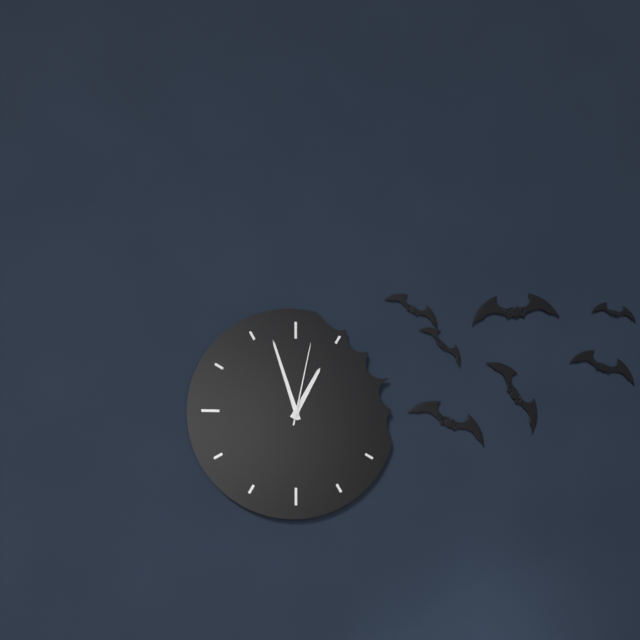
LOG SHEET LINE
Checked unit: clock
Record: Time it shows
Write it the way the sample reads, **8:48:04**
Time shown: **12:57:02**
